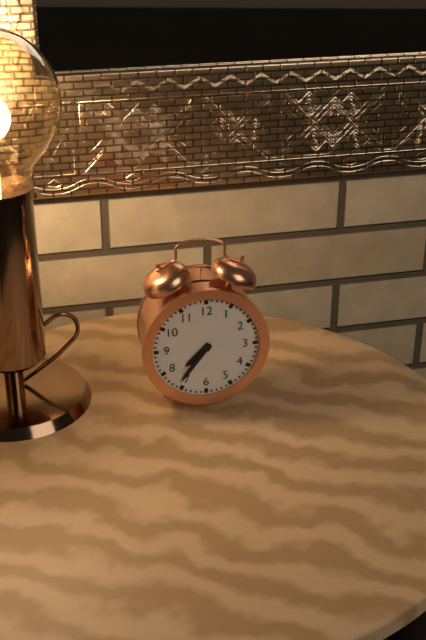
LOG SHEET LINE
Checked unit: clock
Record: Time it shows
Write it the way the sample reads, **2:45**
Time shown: **7:36**
